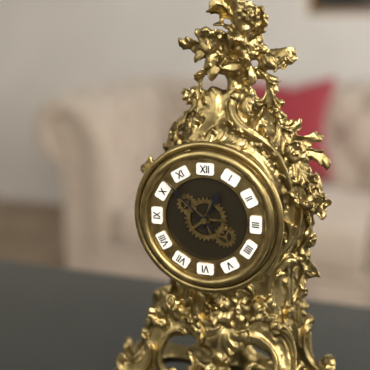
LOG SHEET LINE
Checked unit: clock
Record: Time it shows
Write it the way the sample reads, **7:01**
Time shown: **12:52**
